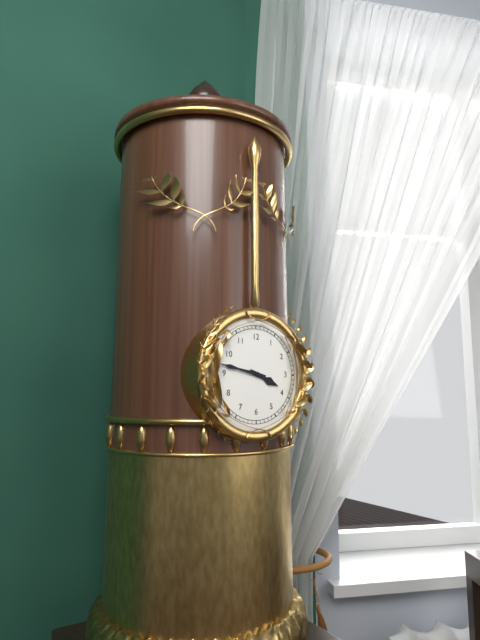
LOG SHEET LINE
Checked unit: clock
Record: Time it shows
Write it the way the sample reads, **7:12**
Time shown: **3:47**
